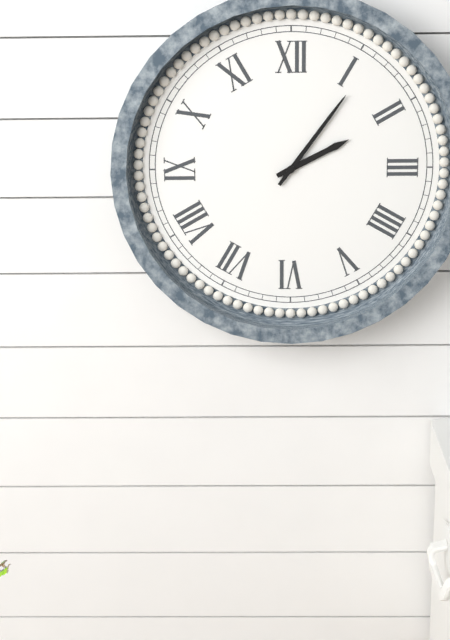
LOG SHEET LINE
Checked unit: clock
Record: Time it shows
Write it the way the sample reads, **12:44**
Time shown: **2:06**
